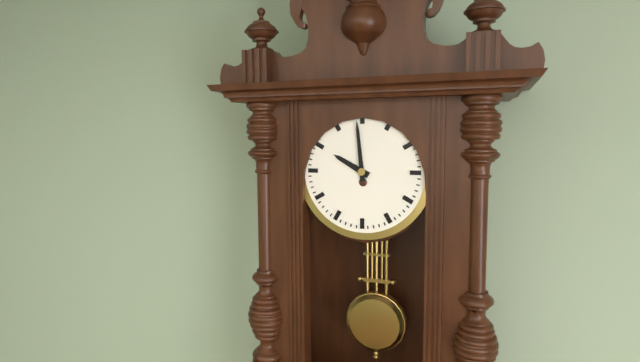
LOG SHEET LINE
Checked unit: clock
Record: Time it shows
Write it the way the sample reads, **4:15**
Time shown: **9:59**
